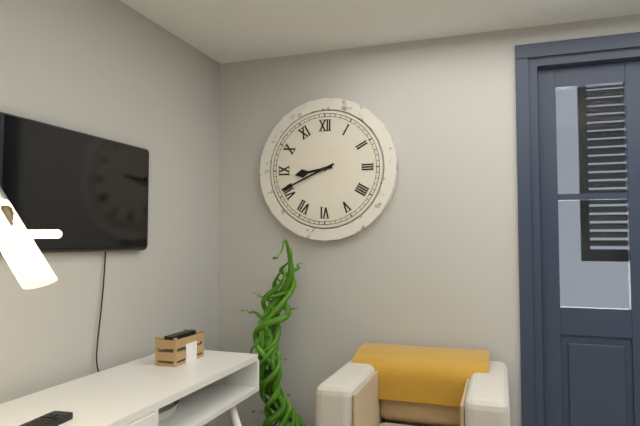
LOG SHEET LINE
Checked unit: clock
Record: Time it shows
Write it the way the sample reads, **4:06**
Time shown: **8:41**
